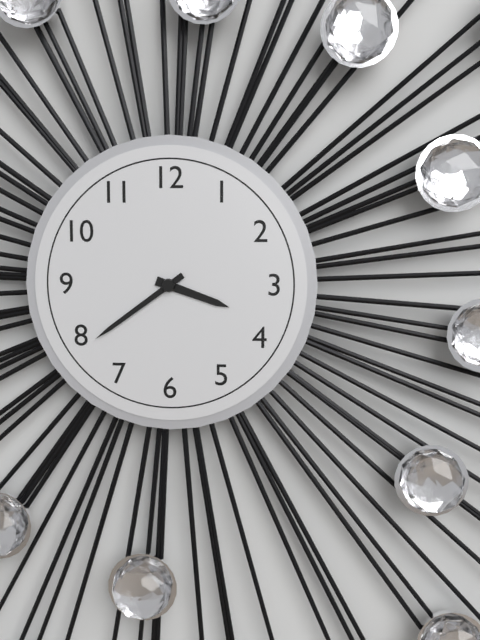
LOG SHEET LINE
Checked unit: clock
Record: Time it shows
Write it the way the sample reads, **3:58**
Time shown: **3:39**
